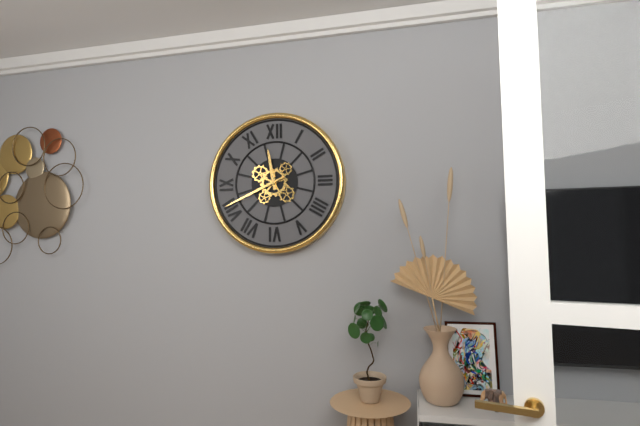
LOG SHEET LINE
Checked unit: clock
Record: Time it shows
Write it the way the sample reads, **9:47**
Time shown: **11:41**
